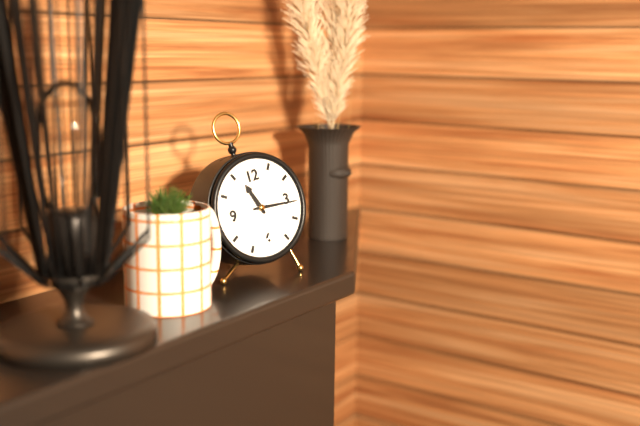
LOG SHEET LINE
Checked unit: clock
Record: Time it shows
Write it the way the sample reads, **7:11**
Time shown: **11:16**
